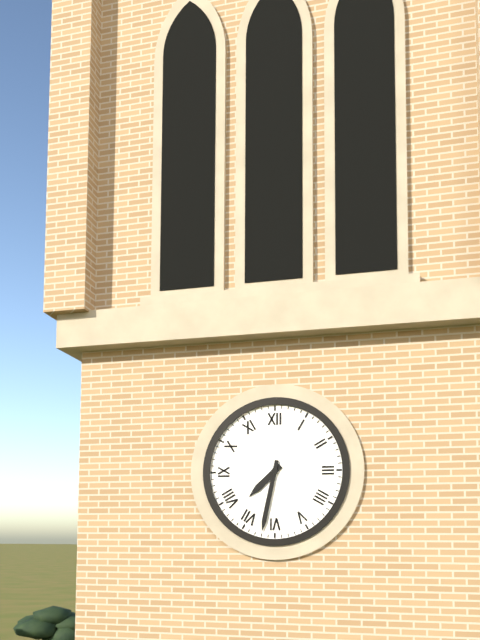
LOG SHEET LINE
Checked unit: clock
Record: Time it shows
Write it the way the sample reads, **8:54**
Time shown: **7:32**
